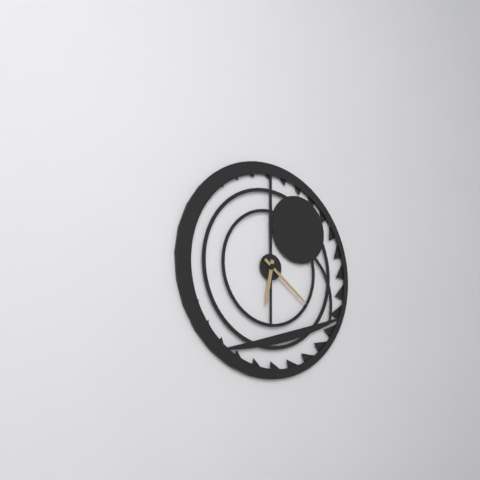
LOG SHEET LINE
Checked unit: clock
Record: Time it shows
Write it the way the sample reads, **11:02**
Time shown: **6:21**
